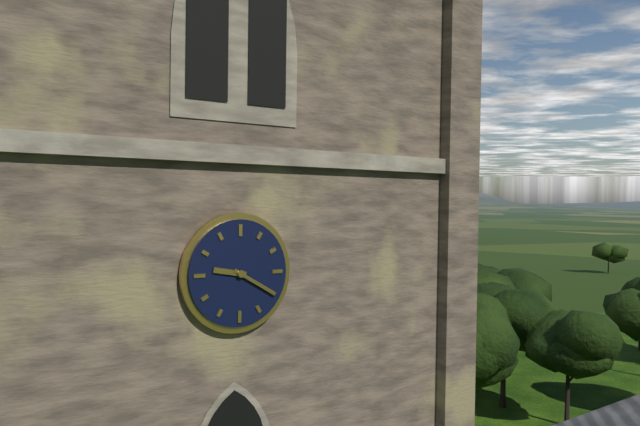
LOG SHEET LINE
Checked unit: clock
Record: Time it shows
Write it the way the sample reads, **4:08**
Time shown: **9:20**
